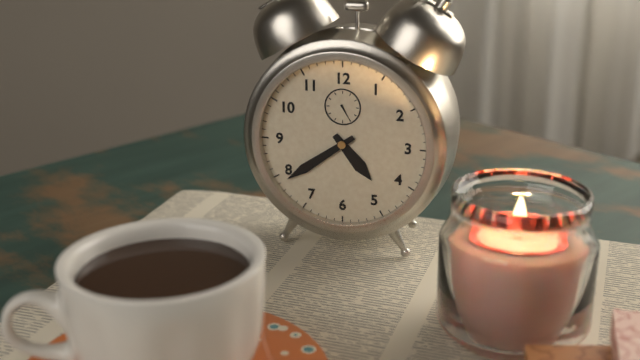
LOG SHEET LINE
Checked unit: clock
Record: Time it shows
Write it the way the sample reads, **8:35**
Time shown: **4:39**
